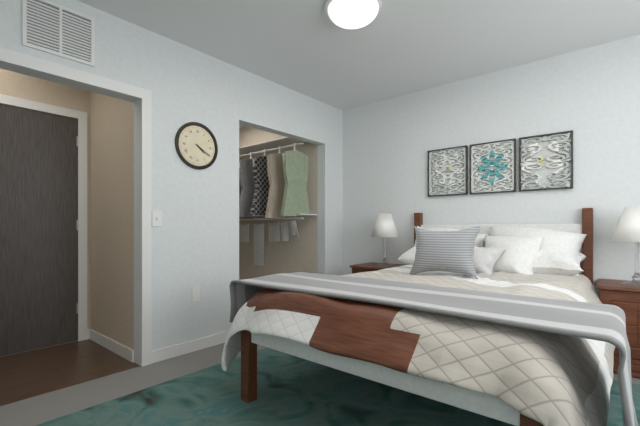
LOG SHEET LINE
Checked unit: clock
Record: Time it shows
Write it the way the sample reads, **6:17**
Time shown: **4:20**
